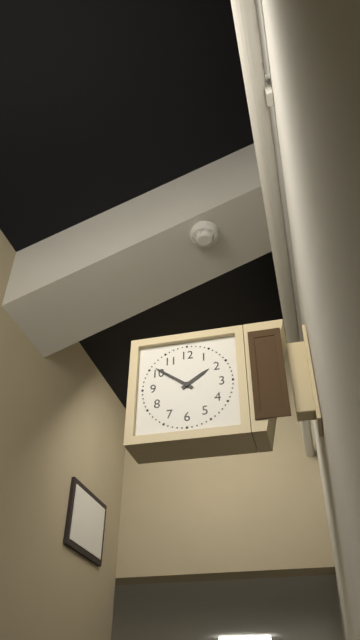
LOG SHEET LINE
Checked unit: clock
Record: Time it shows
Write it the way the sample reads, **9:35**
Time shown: **1:51**
